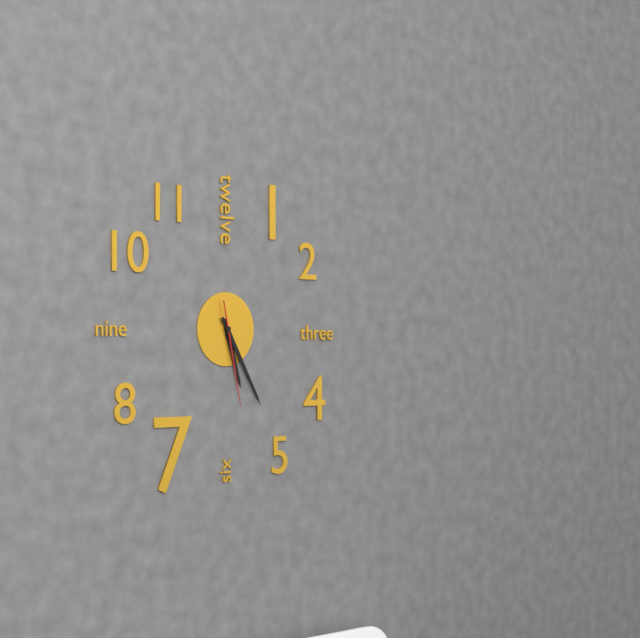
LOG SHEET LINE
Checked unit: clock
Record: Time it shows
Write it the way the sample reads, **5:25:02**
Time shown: **5:25:28**
